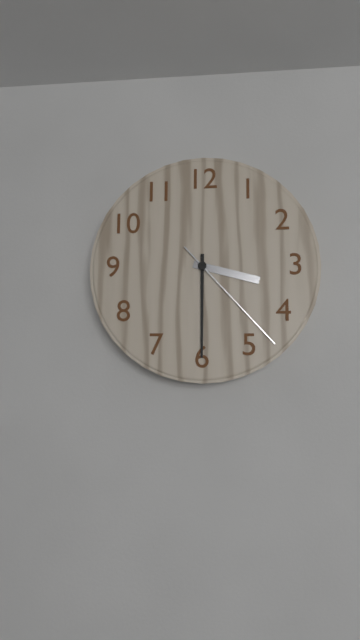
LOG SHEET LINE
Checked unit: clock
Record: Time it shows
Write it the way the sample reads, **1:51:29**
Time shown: **3:30:23**
